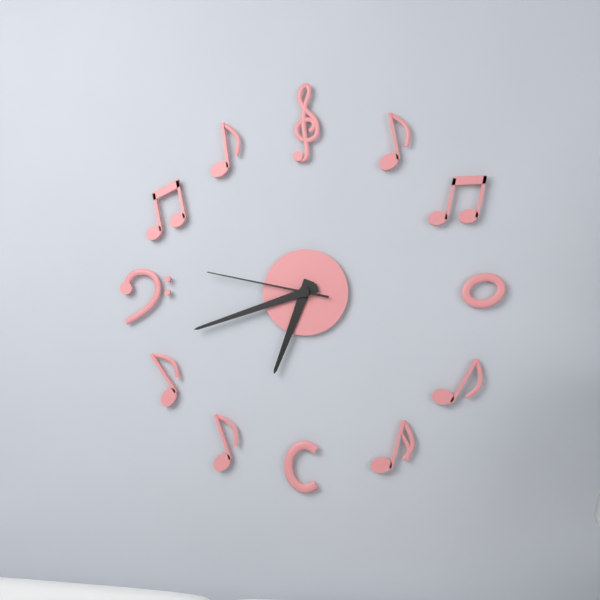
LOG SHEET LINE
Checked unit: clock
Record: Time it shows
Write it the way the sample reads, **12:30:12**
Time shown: **6:42:47**
